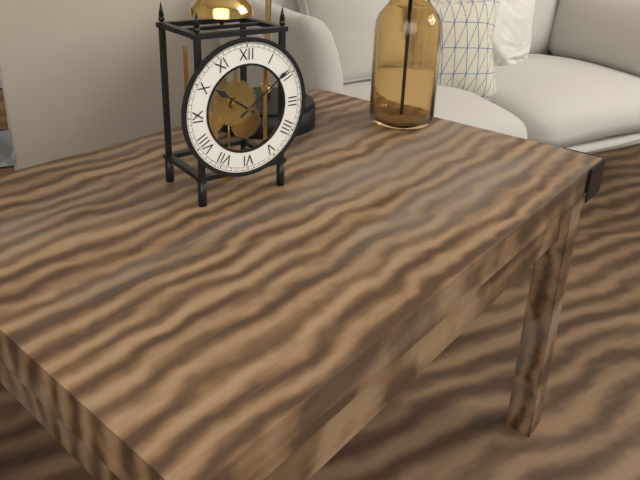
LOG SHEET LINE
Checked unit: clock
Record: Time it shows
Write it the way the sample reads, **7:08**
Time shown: **10:09**
